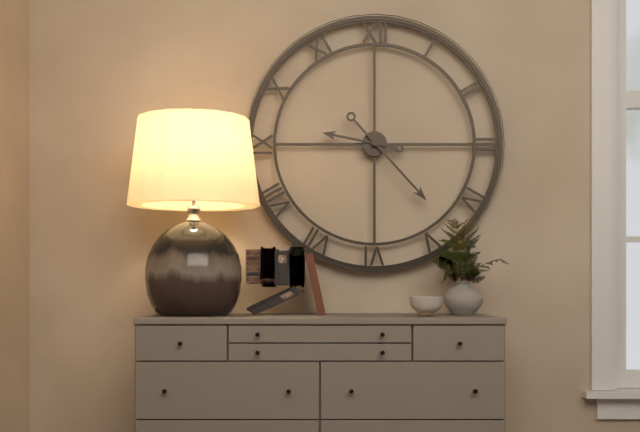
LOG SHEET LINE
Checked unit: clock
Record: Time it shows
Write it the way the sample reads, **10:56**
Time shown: **9:23**
